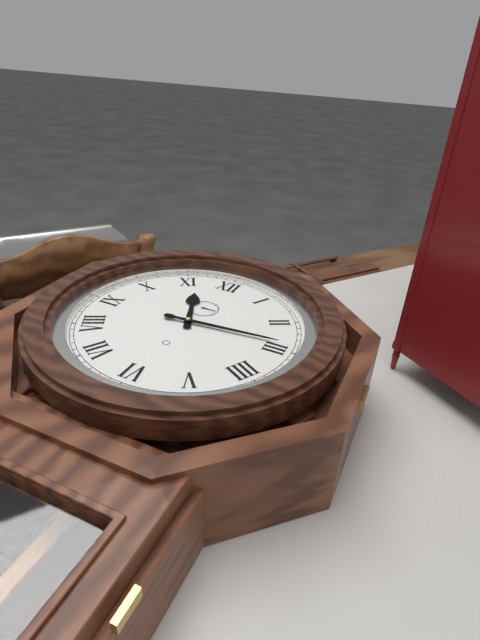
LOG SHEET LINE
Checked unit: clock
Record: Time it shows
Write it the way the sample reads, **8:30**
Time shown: **11:14**
